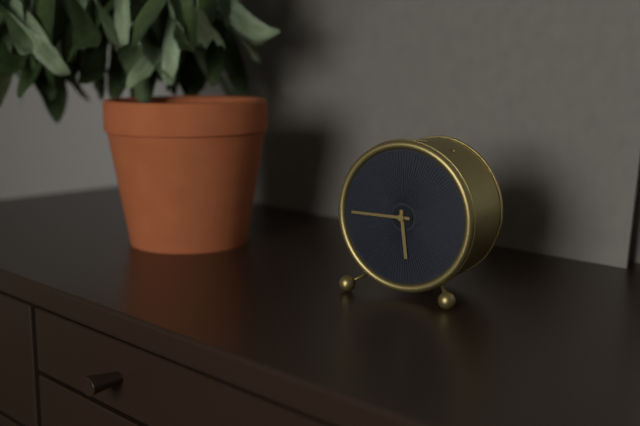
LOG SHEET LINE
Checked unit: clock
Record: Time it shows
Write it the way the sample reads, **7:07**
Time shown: **5:45**
